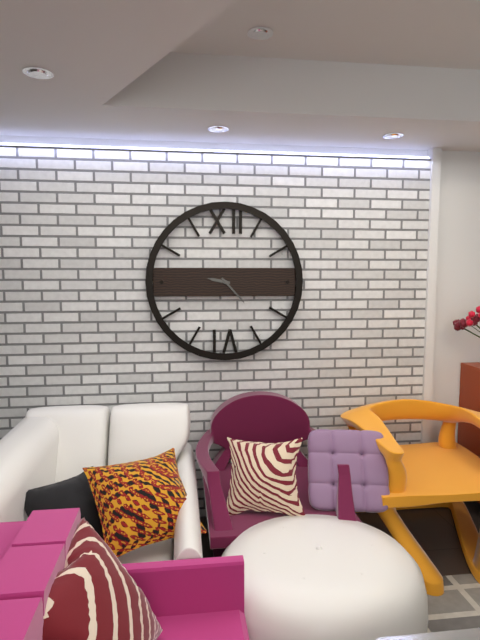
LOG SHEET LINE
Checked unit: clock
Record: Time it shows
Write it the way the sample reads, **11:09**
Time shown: **9:23**
